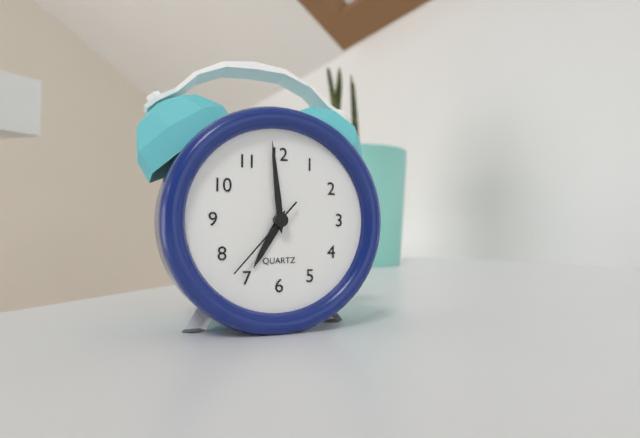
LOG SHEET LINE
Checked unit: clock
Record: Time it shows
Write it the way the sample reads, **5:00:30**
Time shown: **6:59:37**
